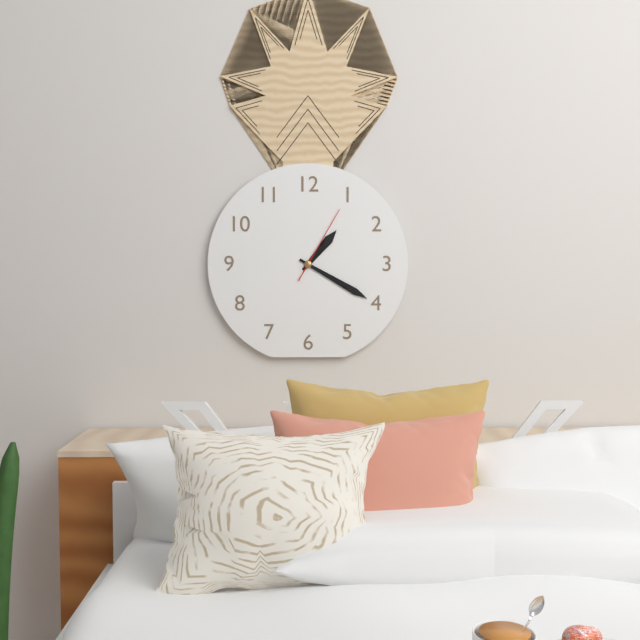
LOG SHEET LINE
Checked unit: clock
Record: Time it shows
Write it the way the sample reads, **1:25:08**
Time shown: **1:20:05**
